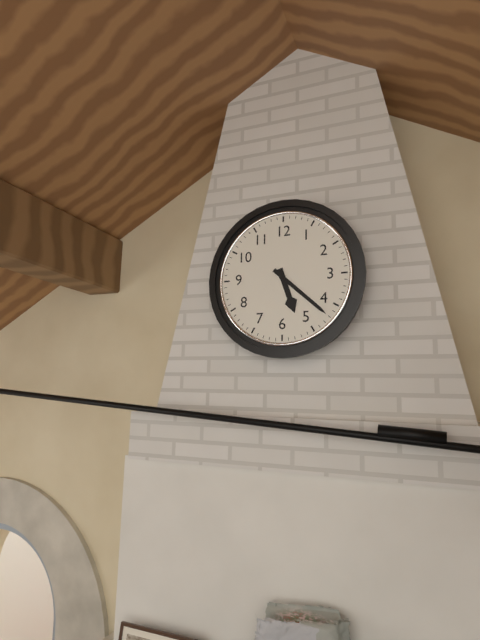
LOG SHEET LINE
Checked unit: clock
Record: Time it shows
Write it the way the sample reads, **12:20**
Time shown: **5:22**
